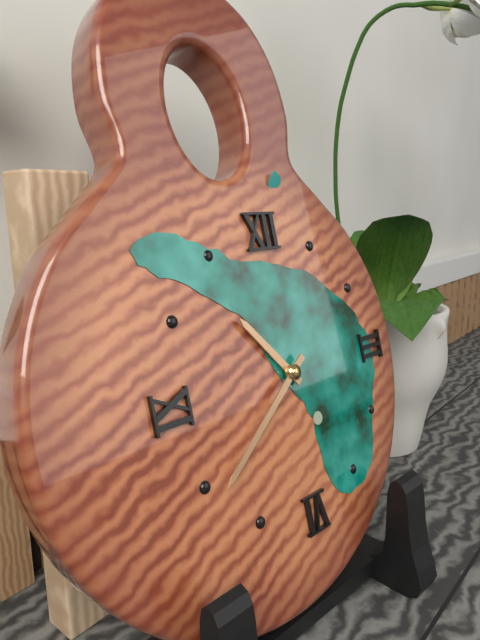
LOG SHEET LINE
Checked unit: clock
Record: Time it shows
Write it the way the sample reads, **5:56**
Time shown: **10:39**
